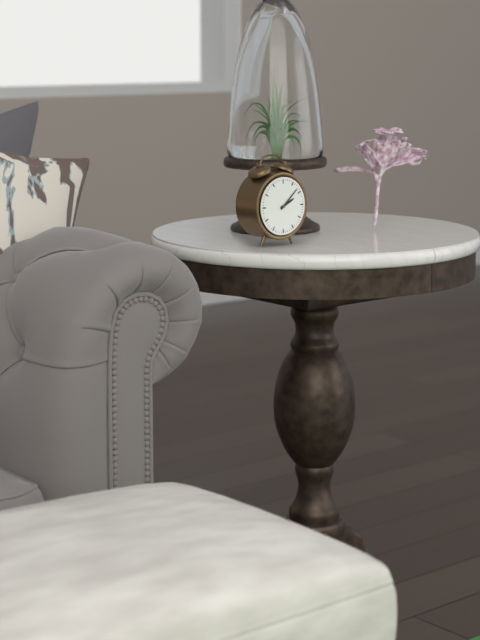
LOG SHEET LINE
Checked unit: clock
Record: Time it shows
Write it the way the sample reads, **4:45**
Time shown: **2:08**
